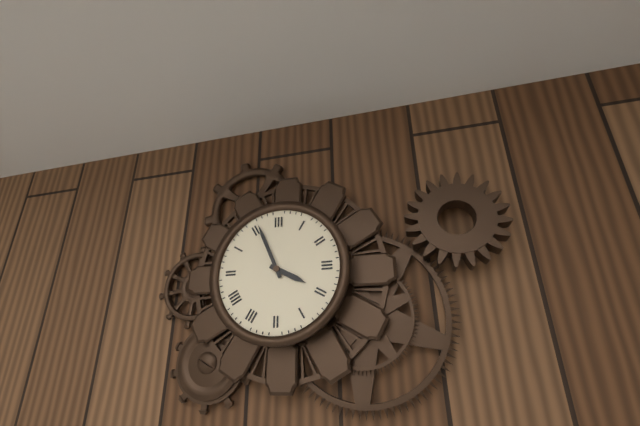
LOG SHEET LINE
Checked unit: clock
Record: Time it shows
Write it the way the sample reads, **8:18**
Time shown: **3:56**
